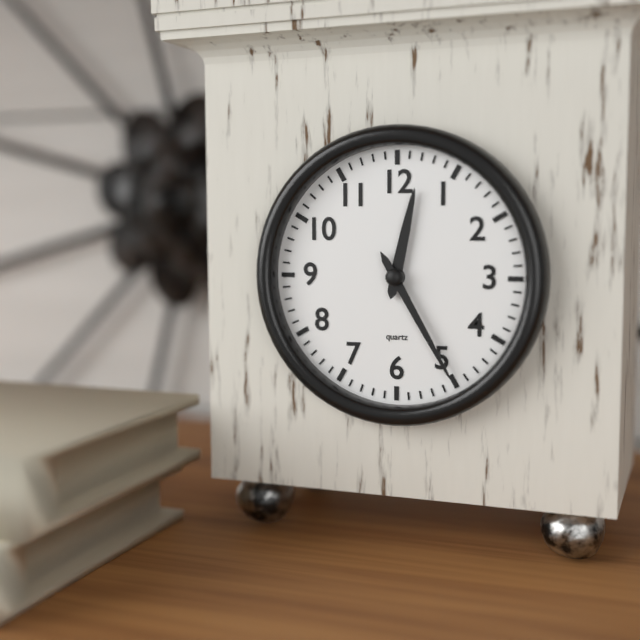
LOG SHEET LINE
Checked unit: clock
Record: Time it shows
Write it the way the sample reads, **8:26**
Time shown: **12:25**
